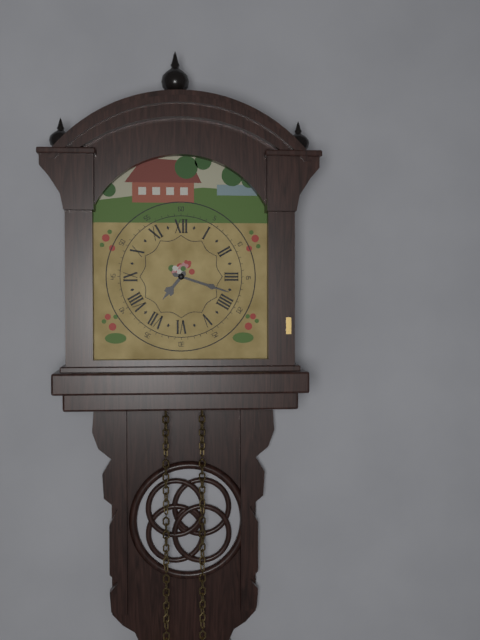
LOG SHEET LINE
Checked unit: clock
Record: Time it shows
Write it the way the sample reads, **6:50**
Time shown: **7:18**
